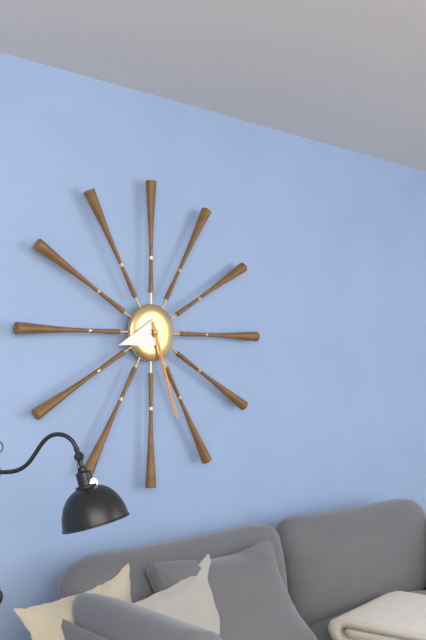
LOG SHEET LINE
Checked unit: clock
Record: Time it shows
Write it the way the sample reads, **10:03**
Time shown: **8:27**
